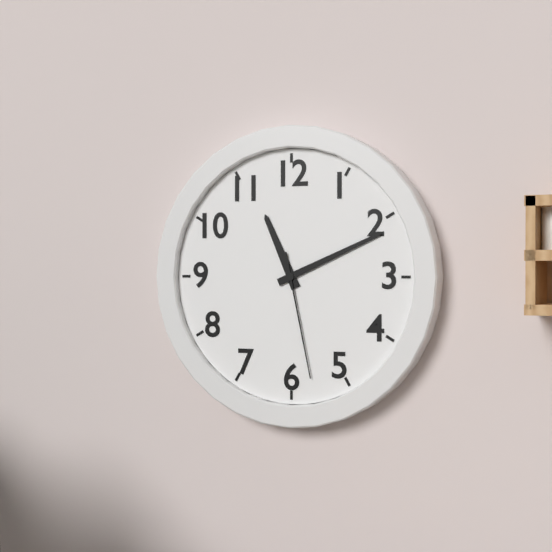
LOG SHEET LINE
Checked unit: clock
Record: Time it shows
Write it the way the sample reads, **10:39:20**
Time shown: **11:11:28**
